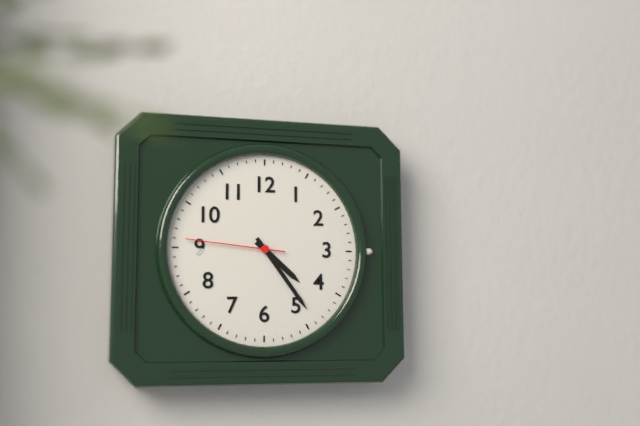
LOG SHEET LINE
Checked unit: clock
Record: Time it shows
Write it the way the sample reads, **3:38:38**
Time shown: **4:24:46**
